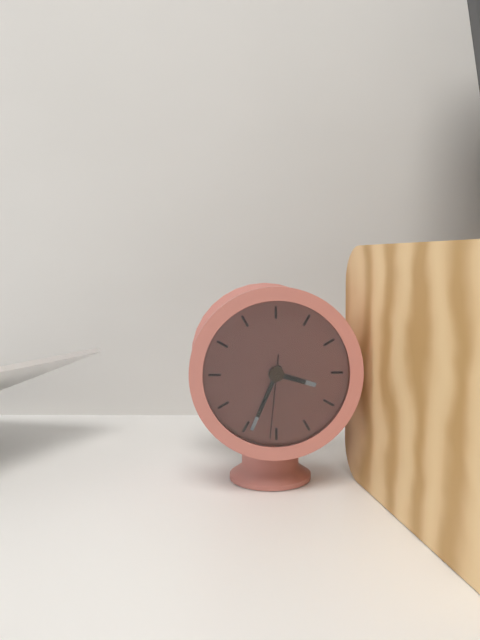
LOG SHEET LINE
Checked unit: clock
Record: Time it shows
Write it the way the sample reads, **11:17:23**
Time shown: **3:34:31**
